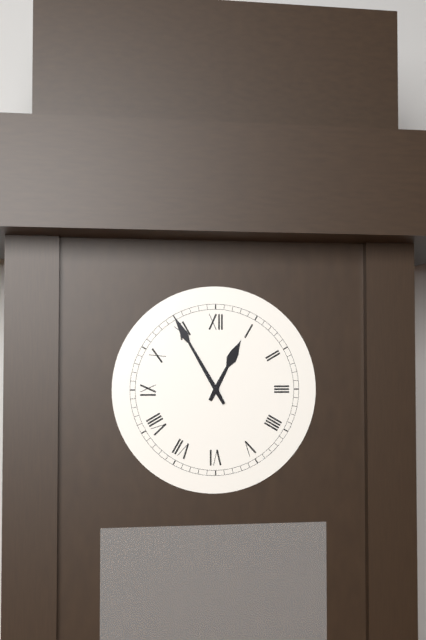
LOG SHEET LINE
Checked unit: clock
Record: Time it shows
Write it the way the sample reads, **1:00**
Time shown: **12:55**
